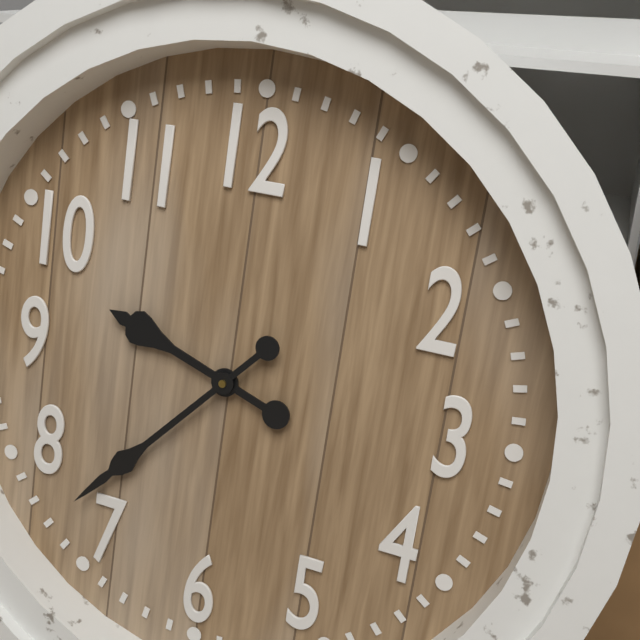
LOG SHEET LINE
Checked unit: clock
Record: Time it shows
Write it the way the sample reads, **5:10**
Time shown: **9:37**
